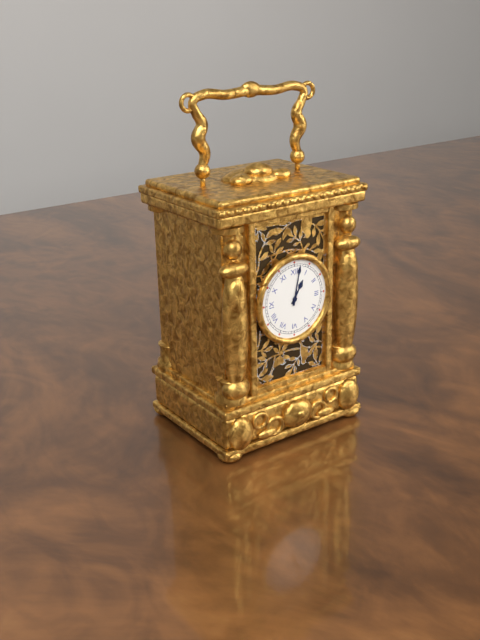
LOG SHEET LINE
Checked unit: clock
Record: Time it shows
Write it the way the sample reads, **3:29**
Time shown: **1:02**
